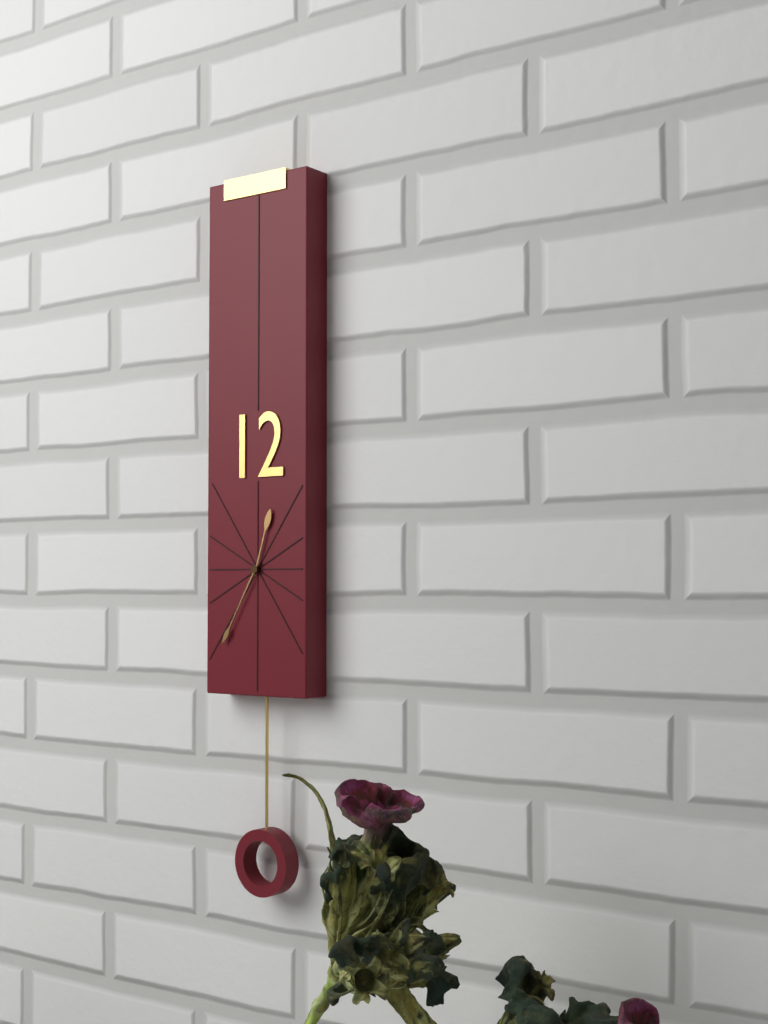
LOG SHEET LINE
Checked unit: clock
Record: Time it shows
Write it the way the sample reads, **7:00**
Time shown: **12:35**
